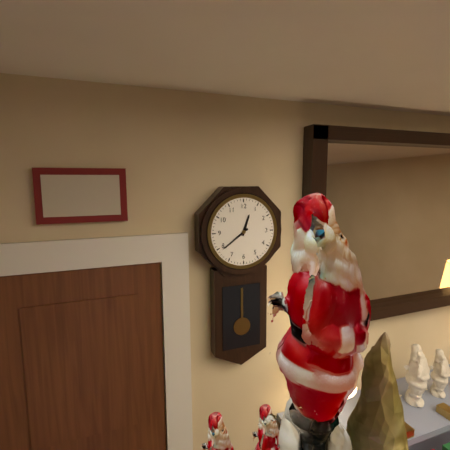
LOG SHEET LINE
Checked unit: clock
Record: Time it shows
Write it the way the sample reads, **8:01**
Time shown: **12:39**
